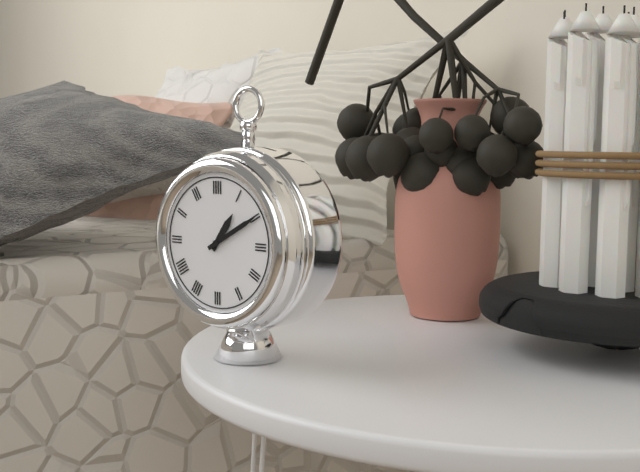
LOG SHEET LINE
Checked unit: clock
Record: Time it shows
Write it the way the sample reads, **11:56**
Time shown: **1:10**
